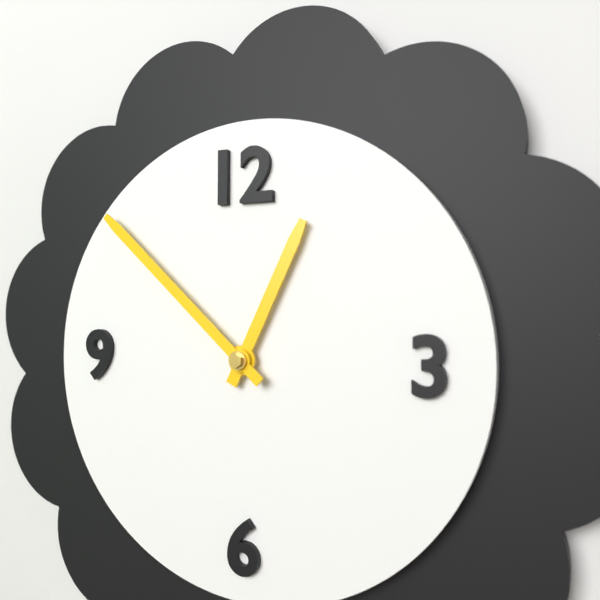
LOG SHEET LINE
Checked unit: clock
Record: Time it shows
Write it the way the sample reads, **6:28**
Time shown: **12:52**
